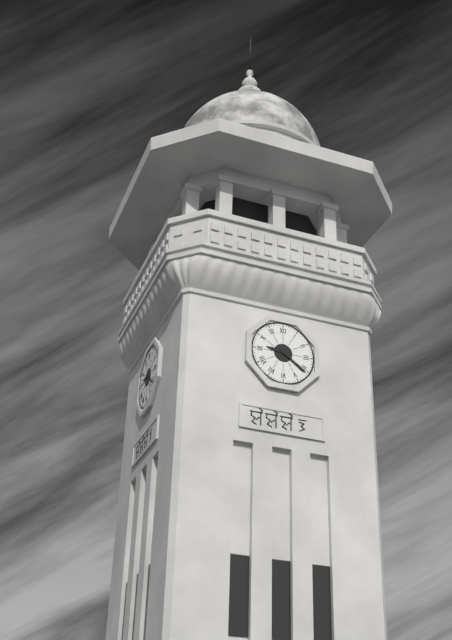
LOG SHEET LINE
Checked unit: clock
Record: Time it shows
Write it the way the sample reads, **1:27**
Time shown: **9:21**
